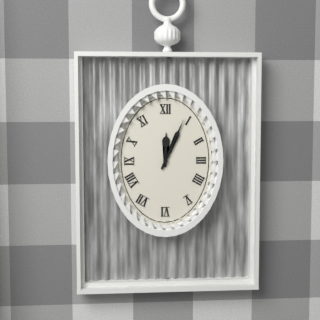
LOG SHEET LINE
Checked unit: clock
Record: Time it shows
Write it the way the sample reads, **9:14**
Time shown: **12:04**
